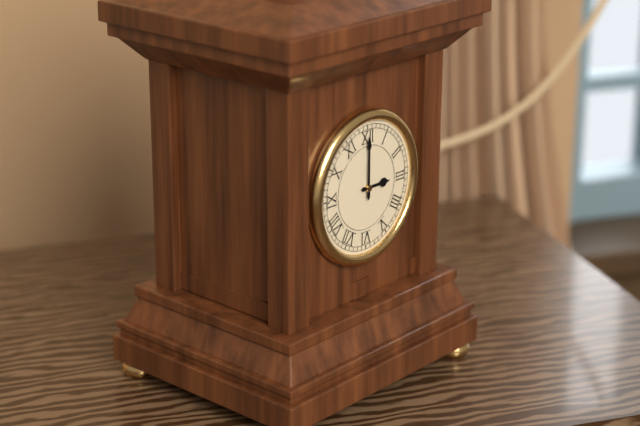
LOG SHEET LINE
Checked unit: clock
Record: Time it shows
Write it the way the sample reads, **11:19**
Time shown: **3:00**
